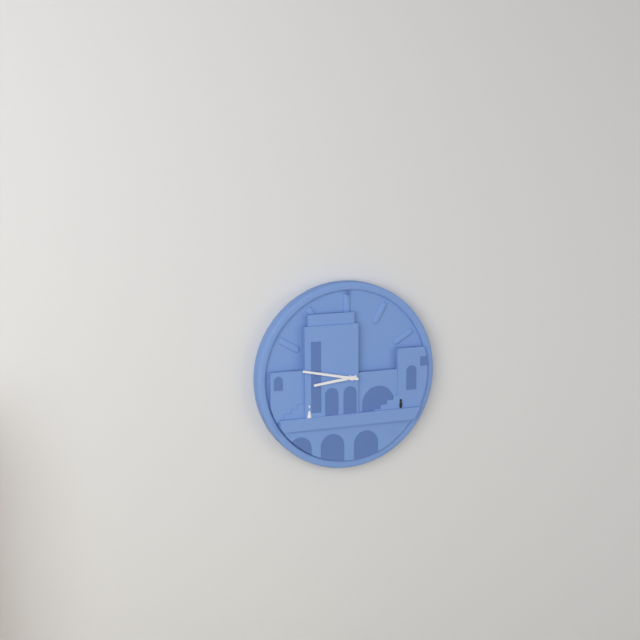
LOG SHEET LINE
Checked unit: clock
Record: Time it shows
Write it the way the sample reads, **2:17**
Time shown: **8:47**
